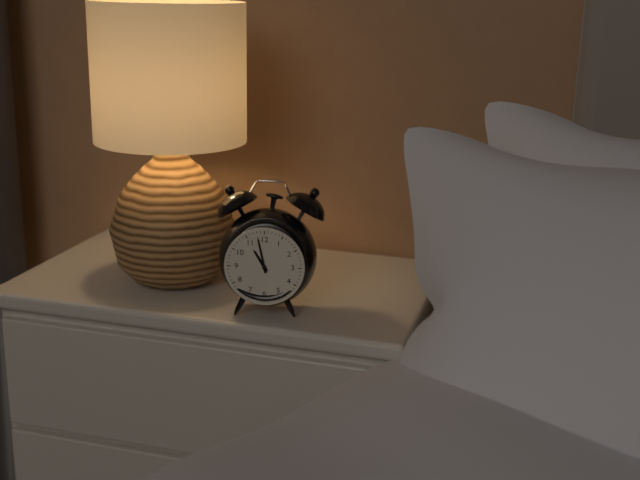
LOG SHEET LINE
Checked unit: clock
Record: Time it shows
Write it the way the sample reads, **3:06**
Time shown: **10:58**
